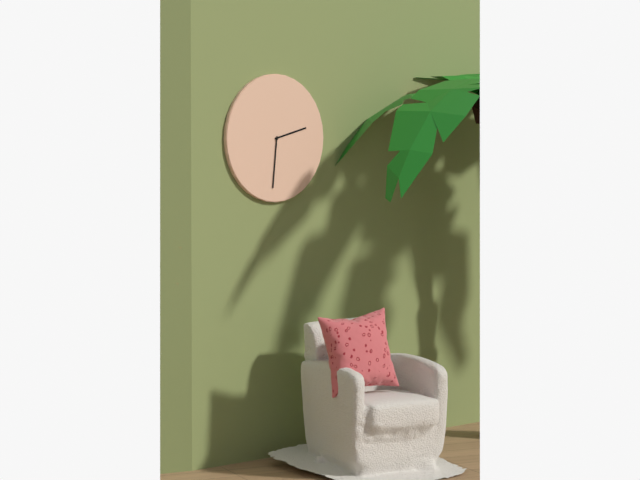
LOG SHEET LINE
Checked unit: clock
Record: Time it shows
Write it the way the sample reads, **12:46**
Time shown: **2:31**
